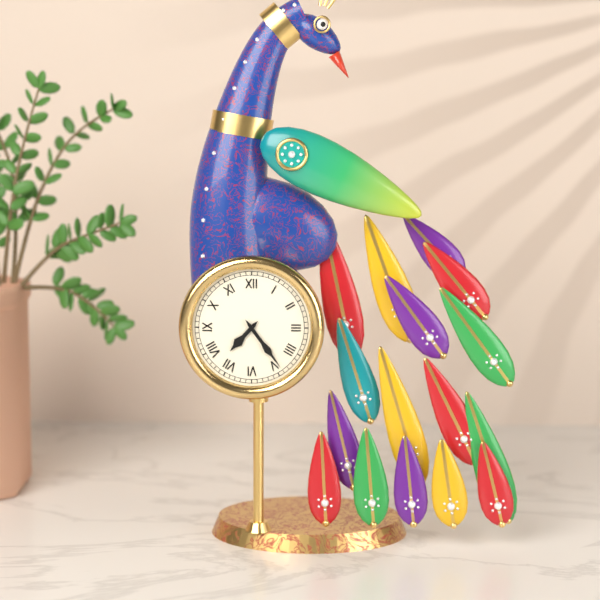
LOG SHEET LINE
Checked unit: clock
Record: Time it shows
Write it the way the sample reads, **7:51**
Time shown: **7:24**
